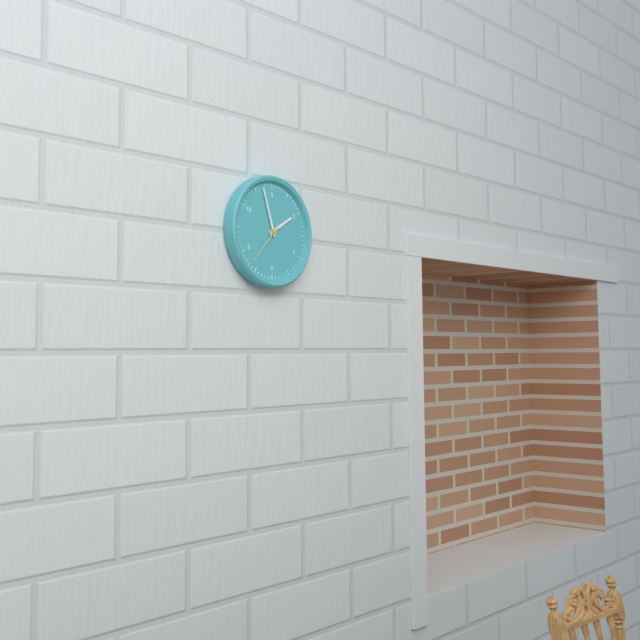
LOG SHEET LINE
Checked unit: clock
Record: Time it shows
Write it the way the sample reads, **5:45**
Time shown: **1:57**
